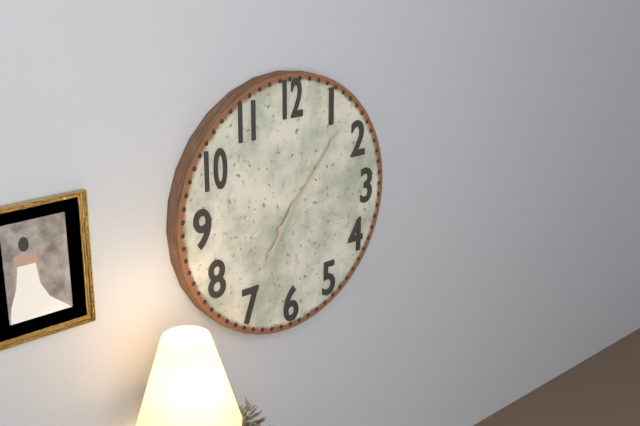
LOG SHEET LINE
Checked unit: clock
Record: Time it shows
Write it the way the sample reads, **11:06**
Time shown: **7:07**
